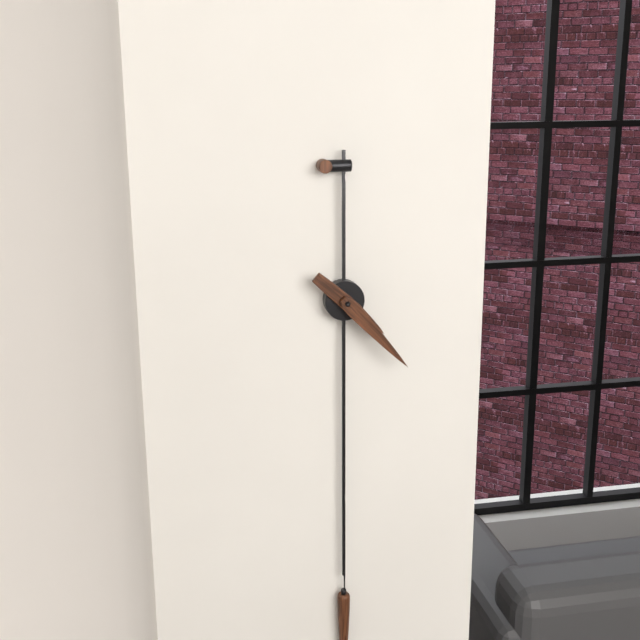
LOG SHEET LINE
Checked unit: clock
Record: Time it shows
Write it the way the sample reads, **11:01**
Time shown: **4:23**
